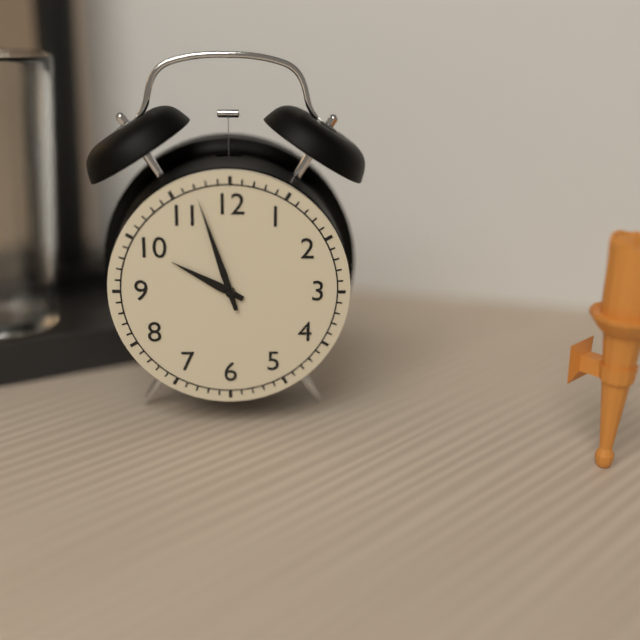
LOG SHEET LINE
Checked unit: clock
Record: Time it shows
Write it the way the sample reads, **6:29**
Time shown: **9:57**
